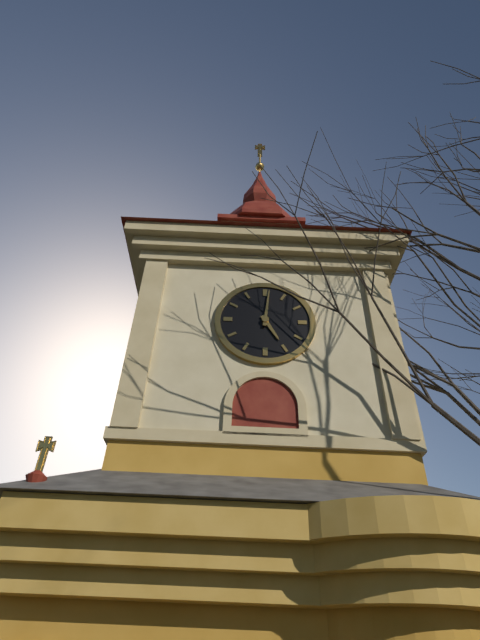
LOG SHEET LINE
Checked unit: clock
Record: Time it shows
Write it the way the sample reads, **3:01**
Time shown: **5:01**
